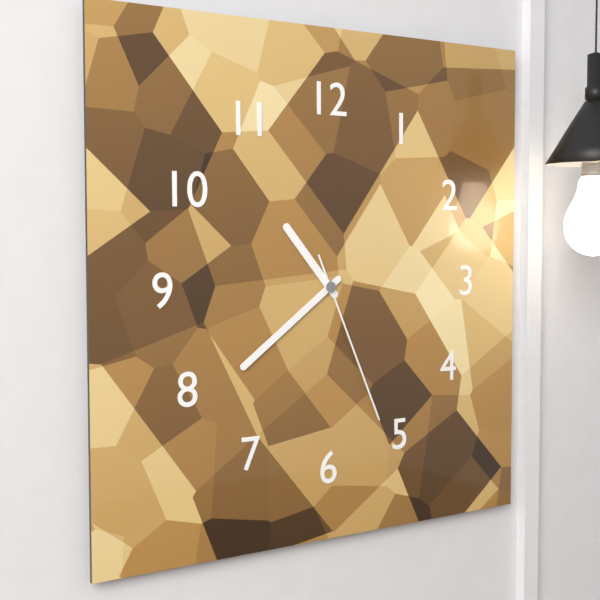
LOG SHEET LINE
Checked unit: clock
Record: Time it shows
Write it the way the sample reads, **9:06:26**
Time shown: **10:39:26**
